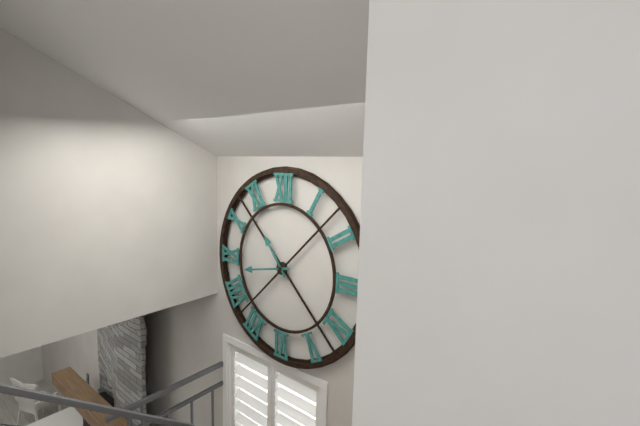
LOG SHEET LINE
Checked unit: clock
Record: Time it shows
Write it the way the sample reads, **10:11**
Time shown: **10:43**
